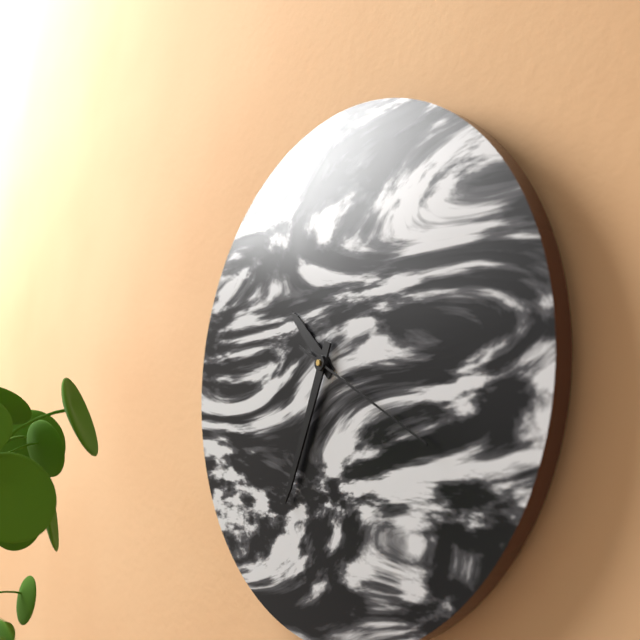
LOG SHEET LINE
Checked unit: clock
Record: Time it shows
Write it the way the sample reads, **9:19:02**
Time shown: **10:34:20**
